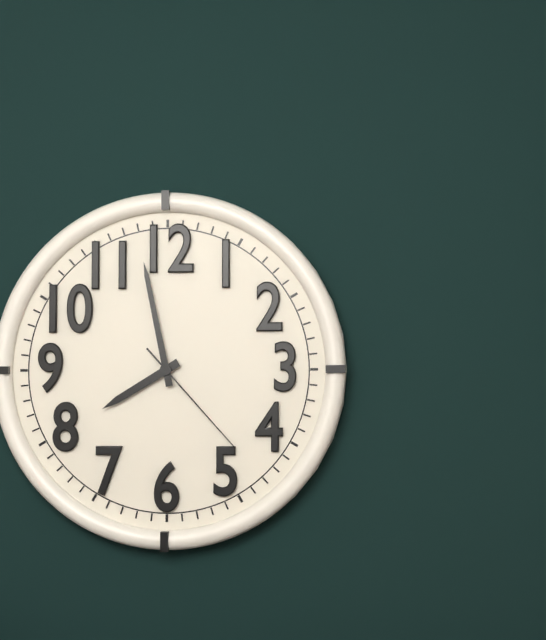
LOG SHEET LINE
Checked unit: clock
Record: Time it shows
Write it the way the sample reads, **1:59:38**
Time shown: **7:58:23**
